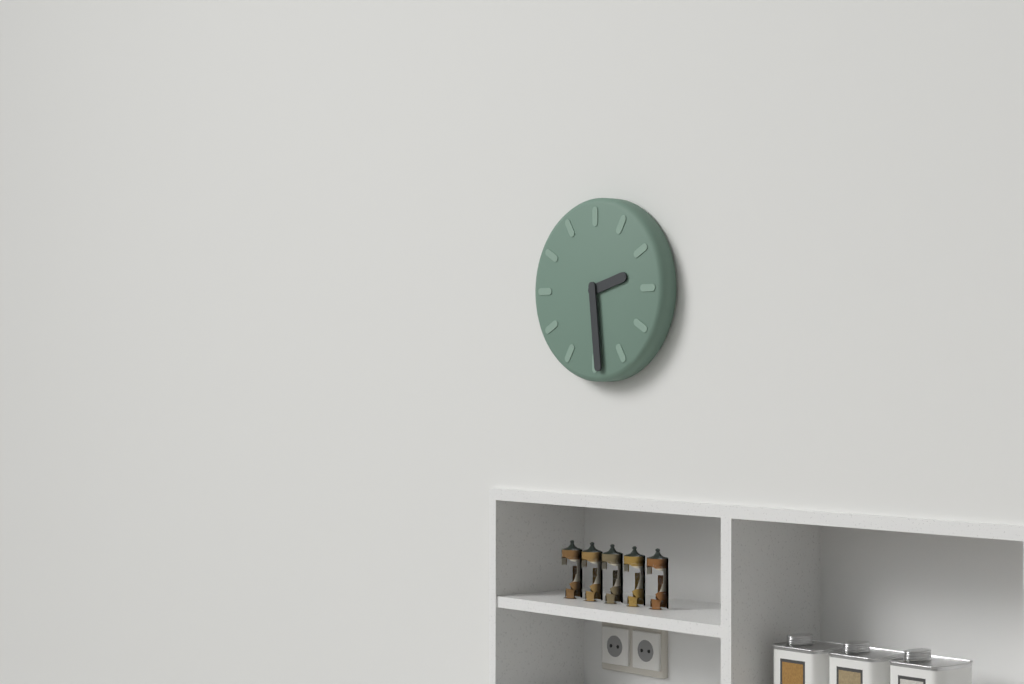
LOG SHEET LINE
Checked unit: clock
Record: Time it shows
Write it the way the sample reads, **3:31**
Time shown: **2:29**
